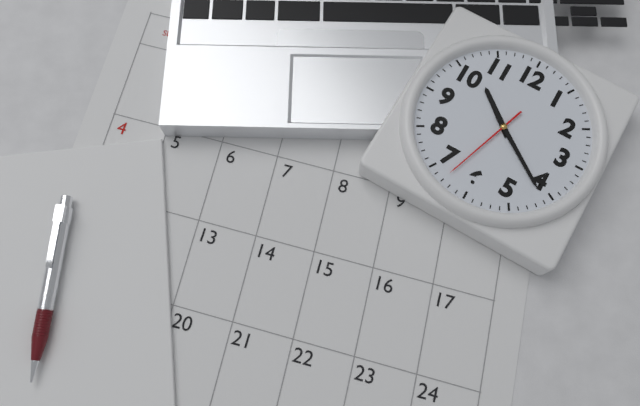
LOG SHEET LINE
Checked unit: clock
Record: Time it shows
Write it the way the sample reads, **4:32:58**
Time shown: **10:21:33**
